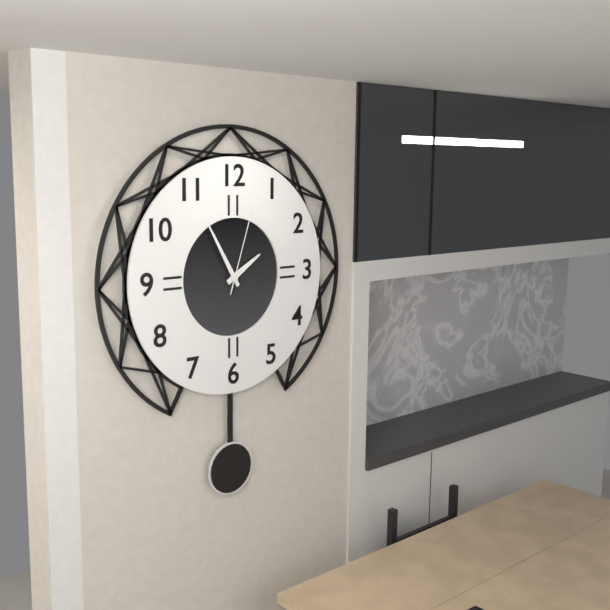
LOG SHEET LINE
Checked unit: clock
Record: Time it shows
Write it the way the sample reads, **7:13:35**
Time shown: **1:55:03**
